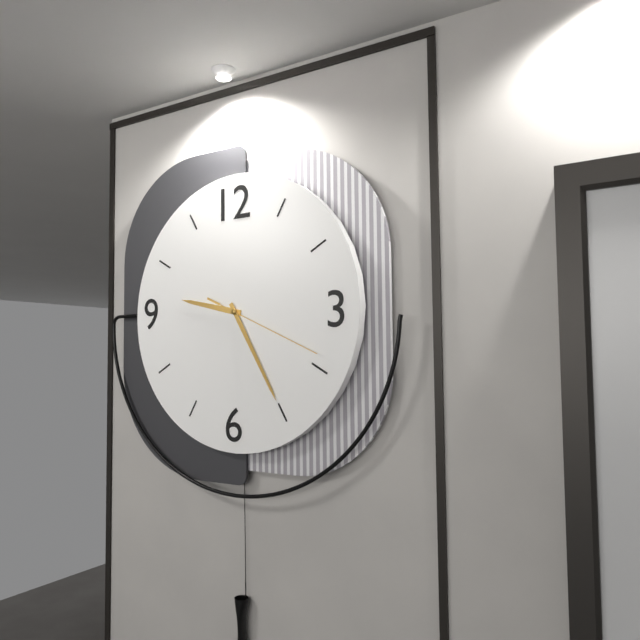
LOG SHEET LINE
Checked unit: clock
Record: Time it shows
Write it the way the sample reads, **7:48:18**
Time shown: **9:25:19**
